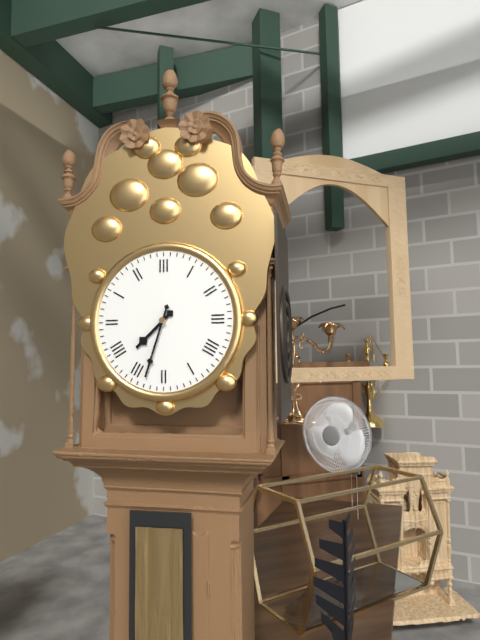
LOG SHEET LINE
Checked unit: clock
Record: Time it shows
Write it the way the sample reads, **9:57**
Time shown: **7:33**
